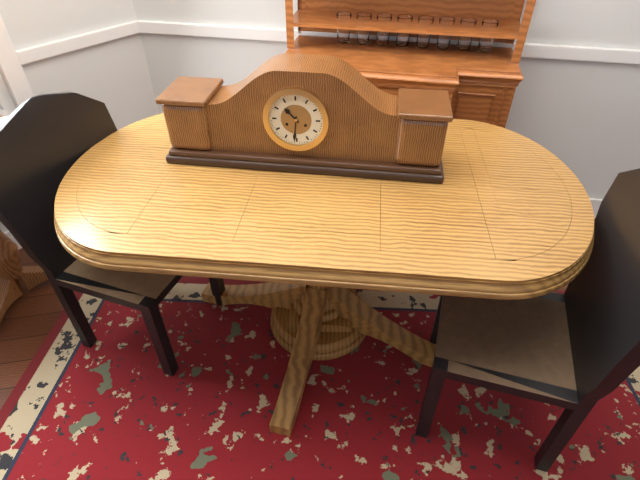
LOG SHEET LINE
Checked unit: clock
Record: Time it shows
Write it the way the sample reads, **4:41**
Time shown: **10:31**
